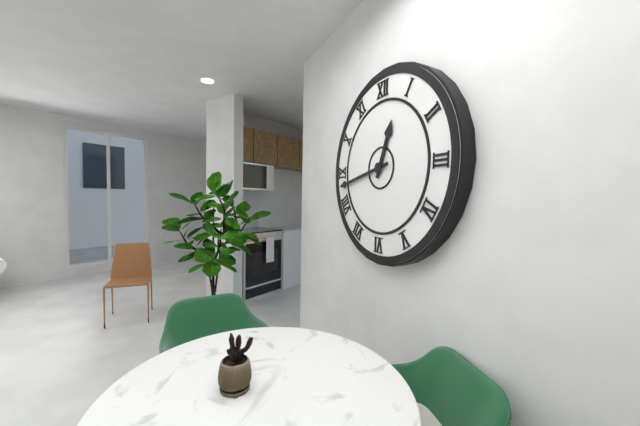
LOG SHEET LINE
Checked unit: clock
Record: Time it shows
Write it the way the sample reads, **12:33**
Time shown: **12:43**
